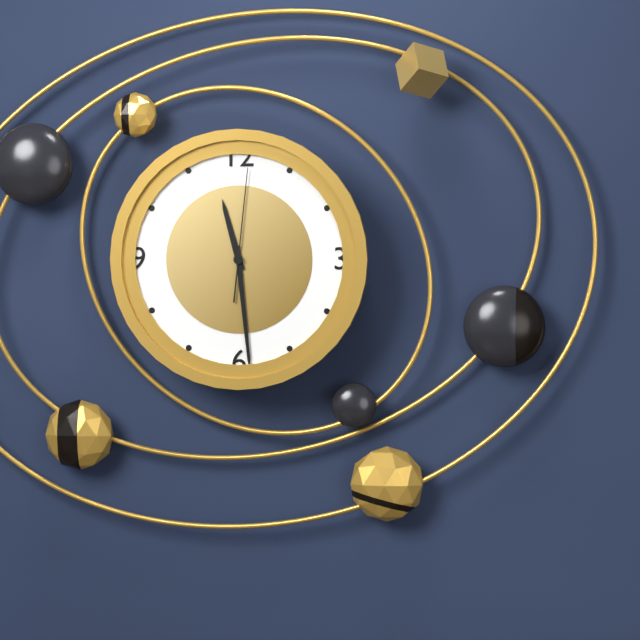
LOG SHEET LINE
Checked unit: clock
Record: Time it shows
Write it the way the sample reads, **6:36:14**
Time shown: **11:29:01**
